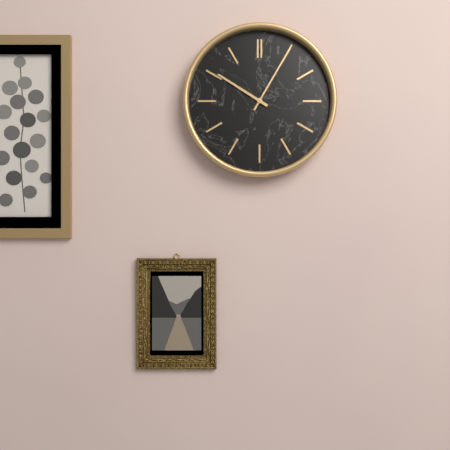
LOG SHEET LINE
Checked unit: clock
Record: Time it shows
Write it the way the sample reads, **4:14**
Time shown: **10:05**
